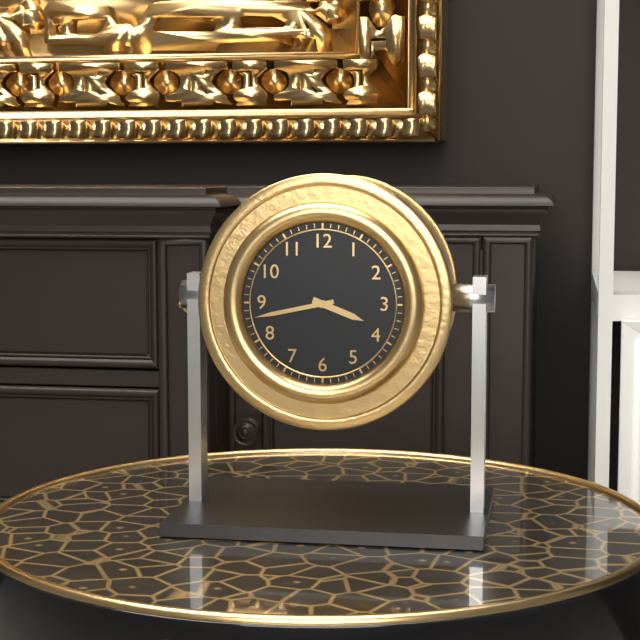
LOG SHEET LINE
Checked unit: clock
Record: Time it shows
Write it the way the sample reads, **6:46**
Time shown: **3:43**
